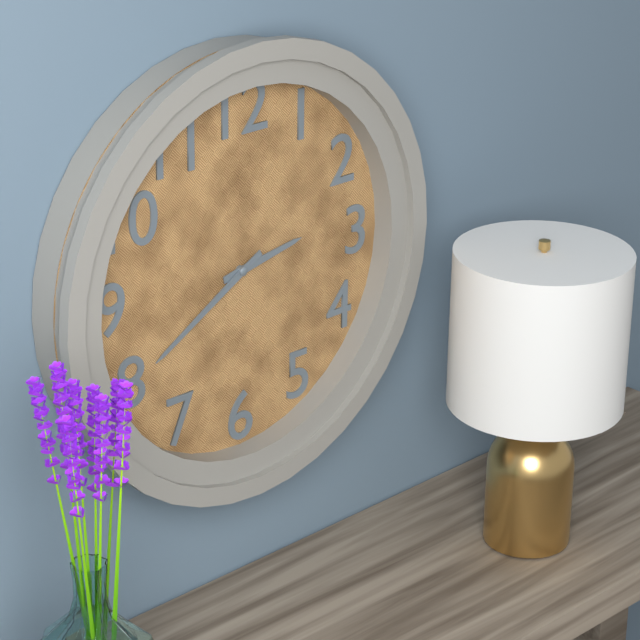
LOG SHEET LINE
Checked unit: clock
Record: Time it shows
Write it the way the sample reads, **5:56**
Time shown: **2:40**
